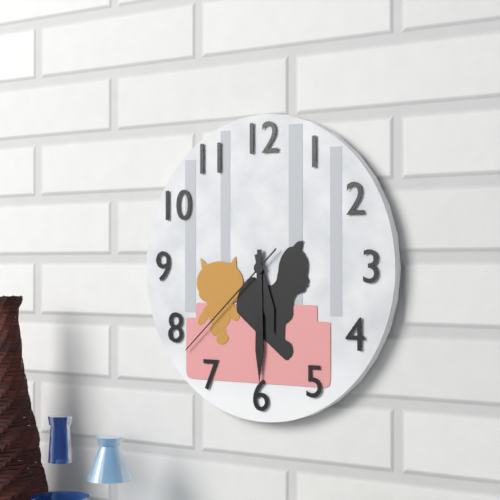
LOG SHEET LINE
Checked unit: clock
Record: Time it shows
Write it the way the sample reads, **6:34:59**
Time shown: **5:30:38**
